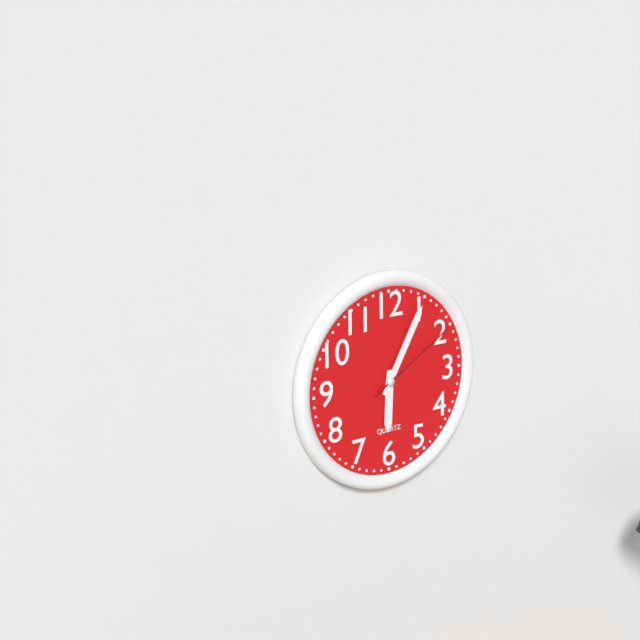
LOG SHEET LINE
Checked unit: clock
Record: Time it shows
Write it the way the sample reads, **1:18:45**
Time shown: **6:05:10**
